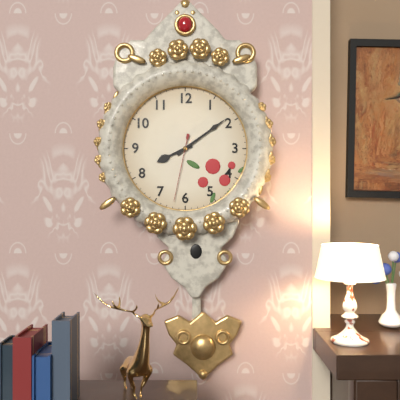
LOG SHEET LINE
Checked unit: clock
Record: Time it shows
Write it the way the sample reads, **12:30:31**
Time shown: **8:09:32**
